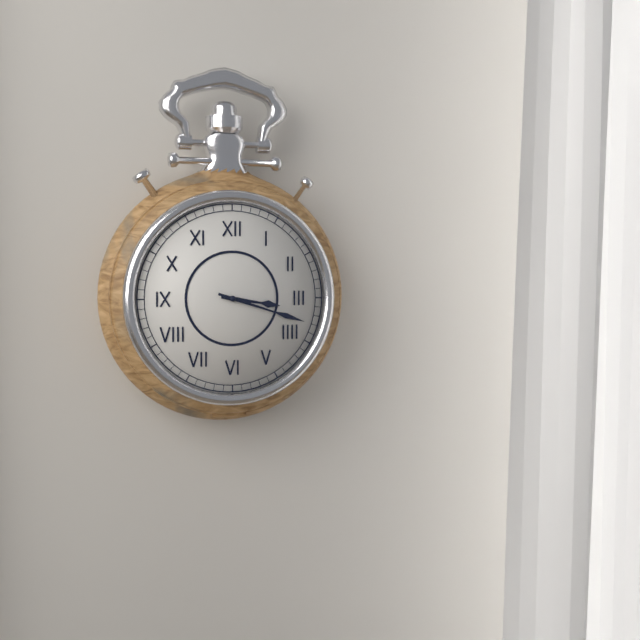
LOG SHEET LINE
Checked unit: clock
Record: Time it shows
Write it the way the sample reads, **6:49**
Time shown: **3:18**
